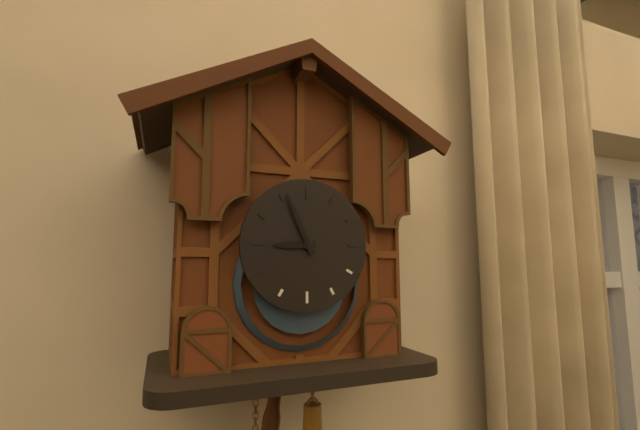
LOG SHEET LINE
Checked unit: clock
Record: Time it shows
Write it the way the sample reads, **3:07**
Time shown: **8:56**
